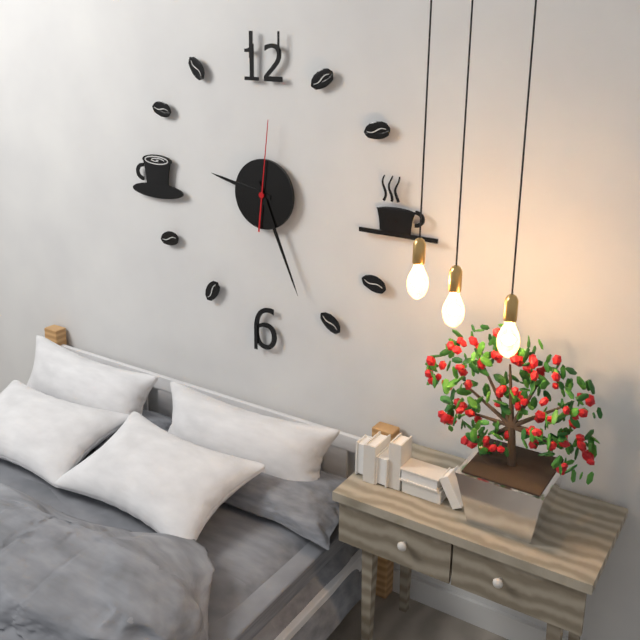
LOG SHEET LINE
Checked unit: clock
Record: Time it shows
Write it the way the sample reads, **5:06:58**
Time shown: **9:26:01**
